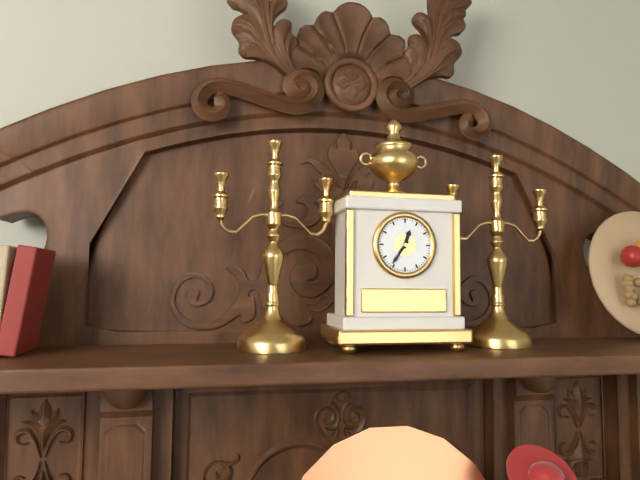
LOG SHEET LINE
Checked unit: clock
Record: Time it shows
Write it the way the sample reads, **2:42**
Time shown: **12:36**
